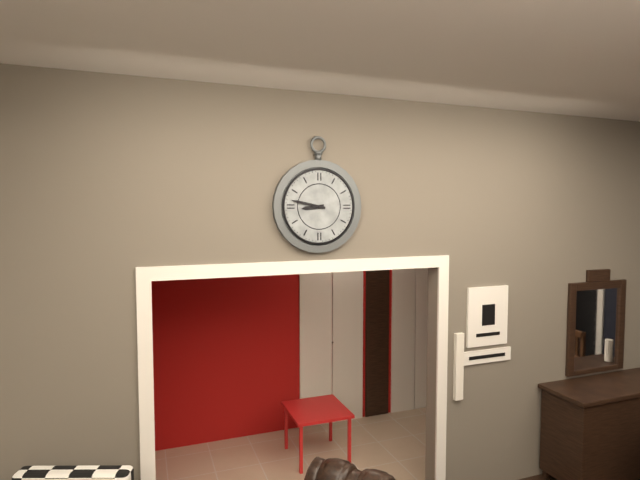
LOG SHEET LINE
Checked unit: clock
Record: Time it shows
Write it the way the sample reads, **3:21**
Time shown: **8:47**
